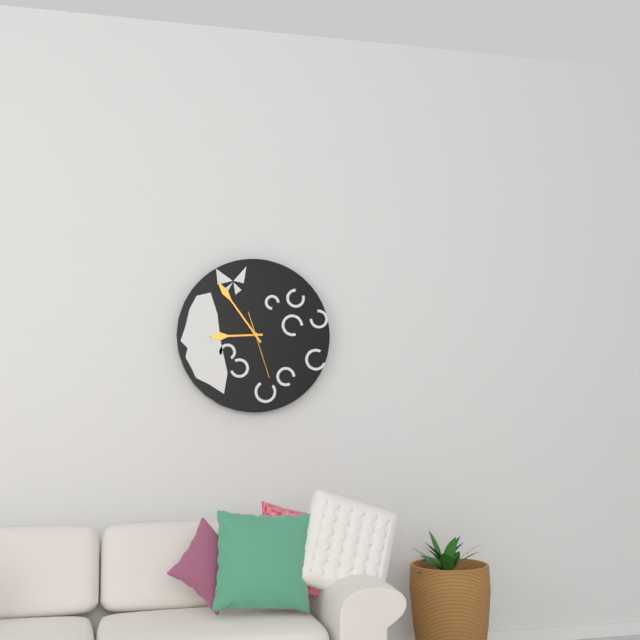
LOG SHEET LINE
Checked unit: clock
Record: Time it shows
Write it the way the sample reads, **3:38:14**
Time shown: **8:54:27**
